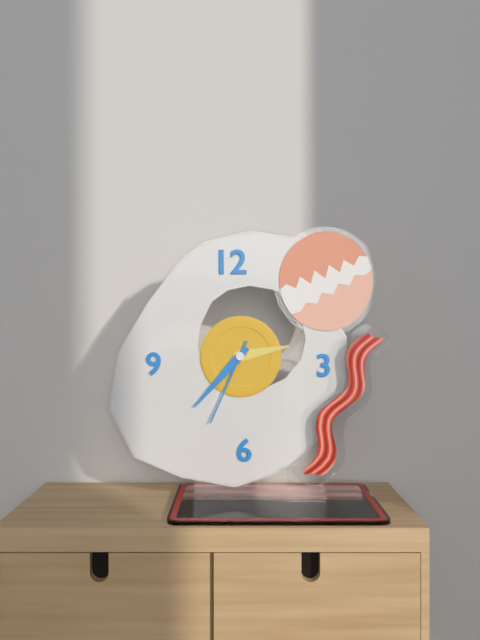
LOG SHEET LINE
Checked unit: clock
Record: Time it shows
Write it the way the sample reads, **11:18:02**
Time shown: **2:37:34**
